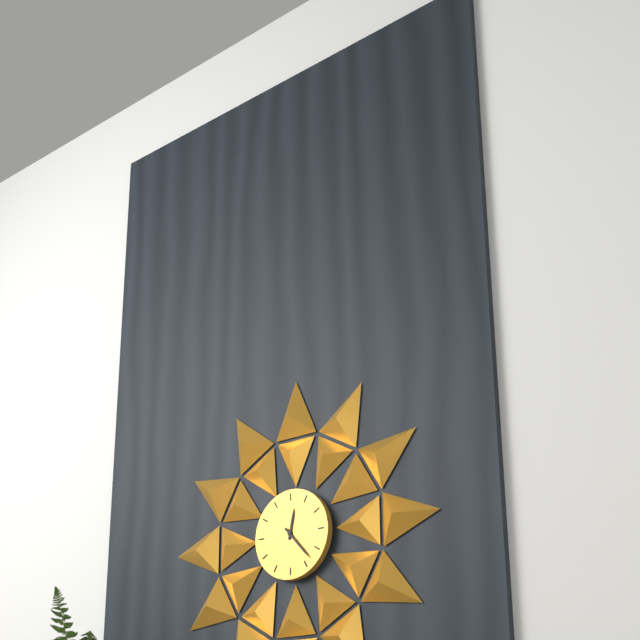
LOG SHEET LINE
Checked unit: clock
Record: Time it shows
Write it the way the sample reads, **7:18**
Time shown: **12:23**
